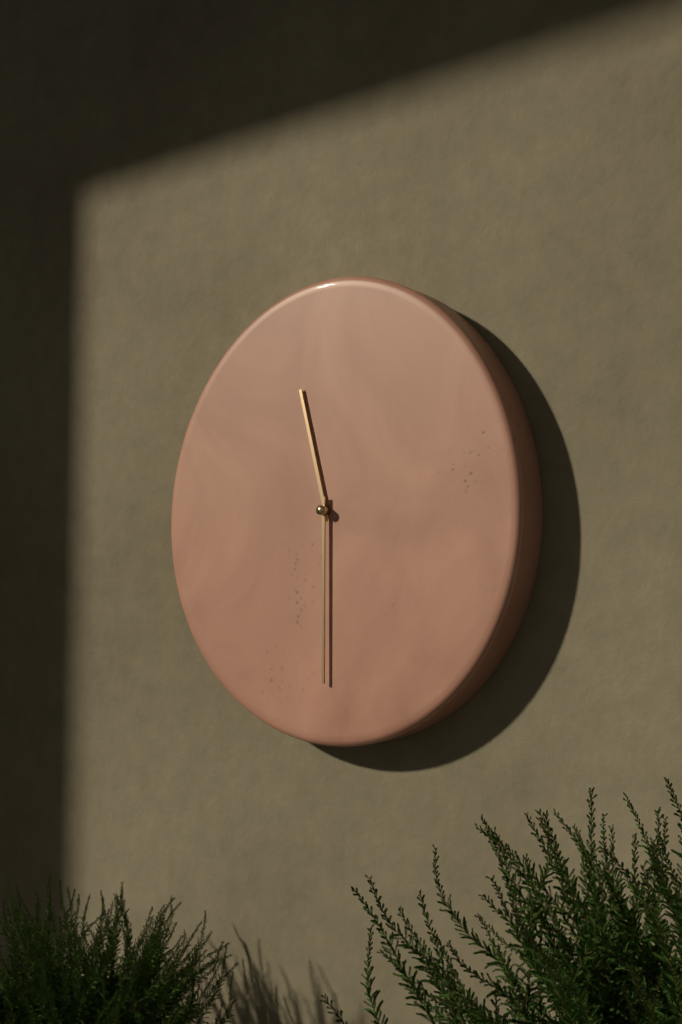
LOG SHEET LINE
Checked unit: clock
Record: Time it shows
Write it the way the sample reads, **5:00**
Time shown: **11:30**
